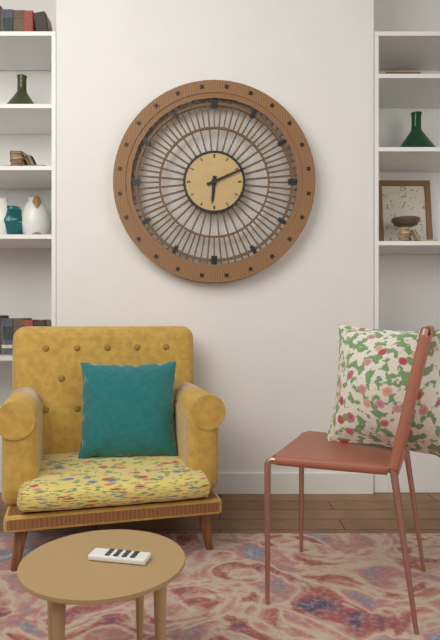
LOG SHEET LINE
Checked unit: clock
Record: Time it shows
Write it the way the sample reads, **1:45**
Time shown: **6:11**
